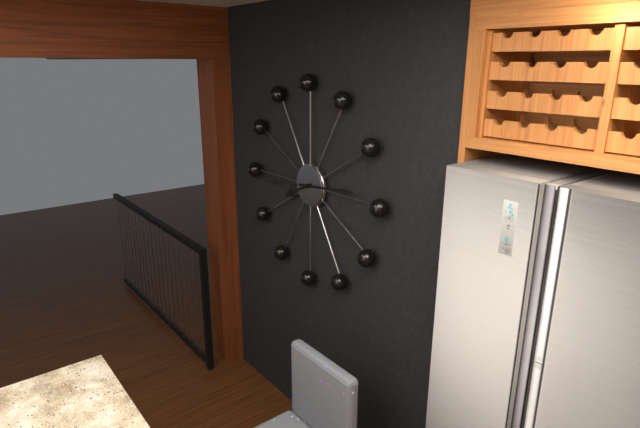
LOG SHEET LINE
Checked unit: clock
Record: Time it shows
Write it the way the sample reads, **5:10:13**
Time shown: **8:14:44**
